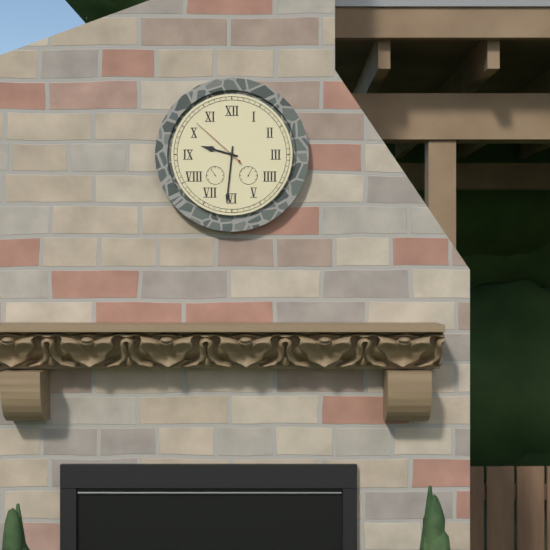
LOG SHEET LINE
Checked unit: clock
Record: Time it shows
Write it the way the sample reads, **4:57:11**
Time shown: **9:31:52**
